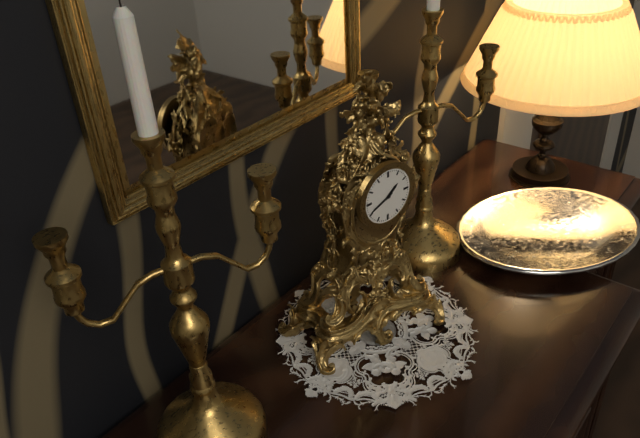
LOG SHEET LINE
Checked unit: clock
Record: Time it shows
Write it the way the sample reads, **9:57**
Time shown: **1:41**
